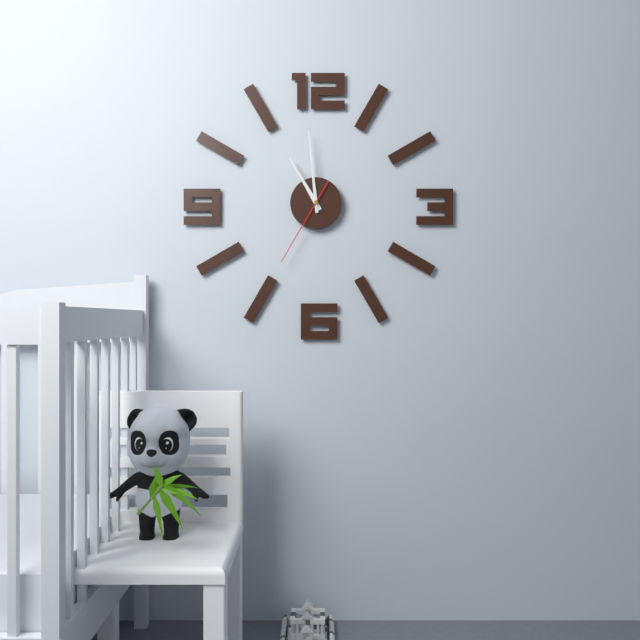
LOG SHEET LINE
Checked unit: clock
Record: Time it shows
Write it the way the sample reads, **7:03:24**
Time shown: **10:59:35**
